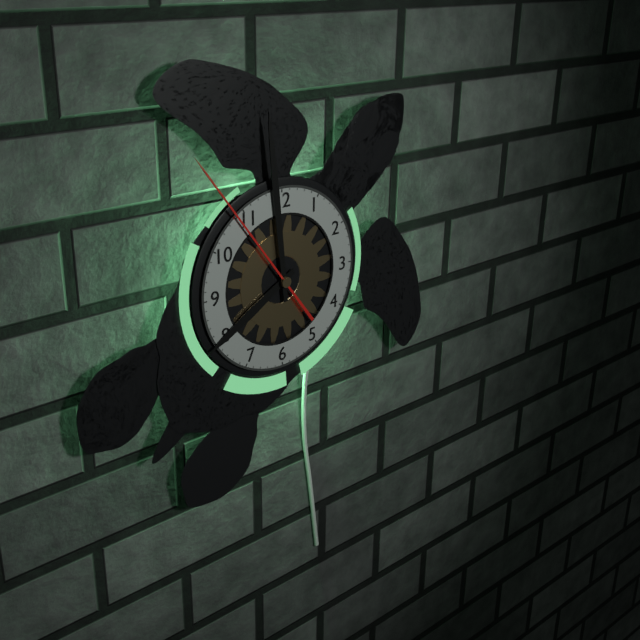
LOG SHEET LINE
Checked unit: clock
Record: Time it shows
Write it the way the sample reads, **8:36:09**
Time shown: **7:59:54**
